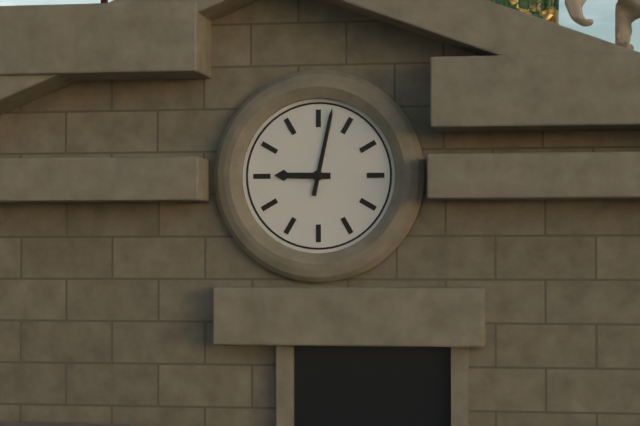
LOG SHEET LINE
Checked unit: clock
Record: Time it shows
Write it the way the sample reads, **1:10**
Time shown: **9:02**
